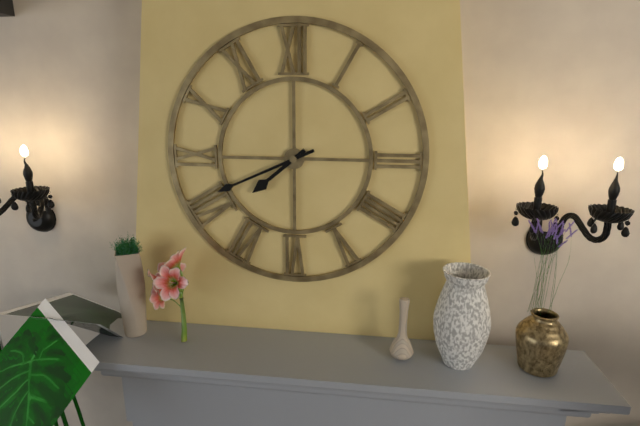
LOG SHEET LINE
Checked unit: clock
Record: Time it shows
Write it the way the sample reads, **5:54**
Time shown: **7:41**
